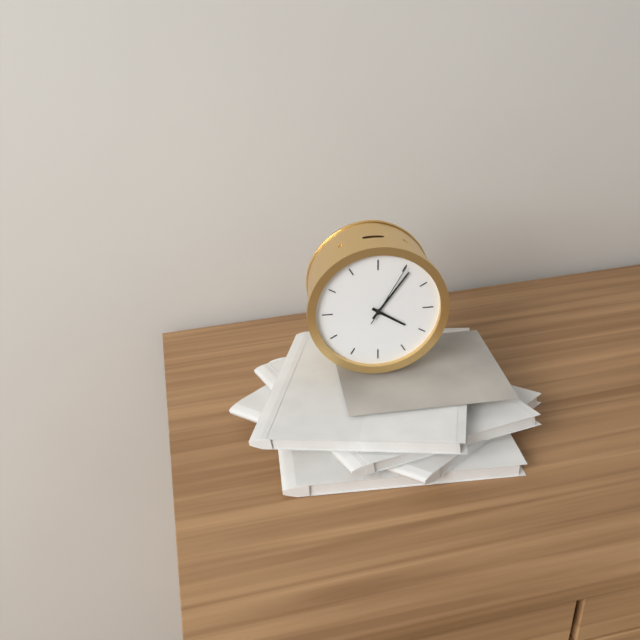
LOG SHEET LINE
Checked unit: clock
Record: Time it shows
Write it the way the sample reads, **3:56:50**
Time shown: **4:06:05**
